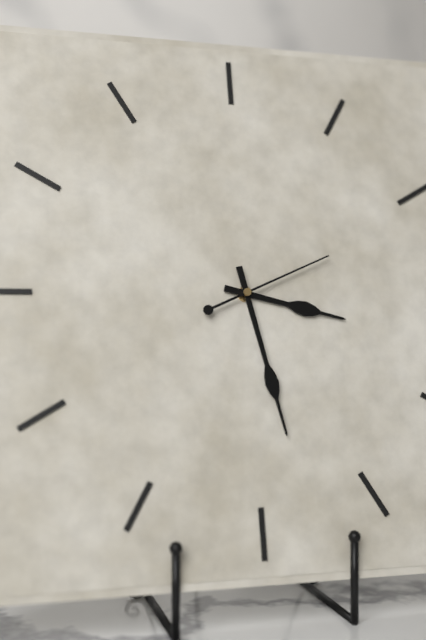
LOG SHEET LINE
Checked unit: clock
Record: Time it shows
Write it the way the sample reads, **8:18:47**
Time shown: **3:28:11**
